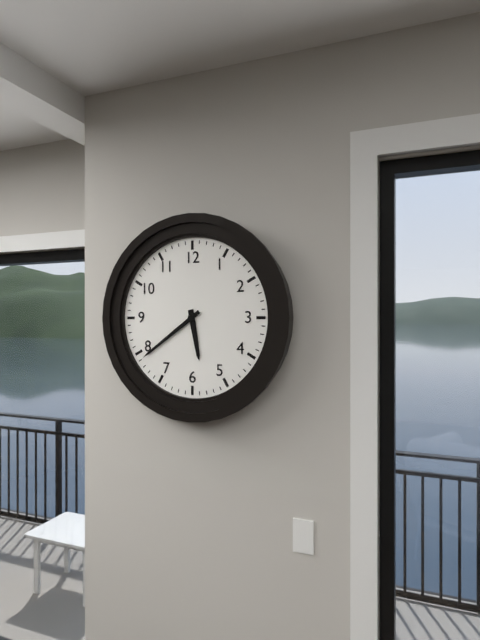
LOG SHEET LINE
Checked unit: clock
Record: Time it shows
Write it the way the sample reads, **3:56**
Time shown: **5:39**
